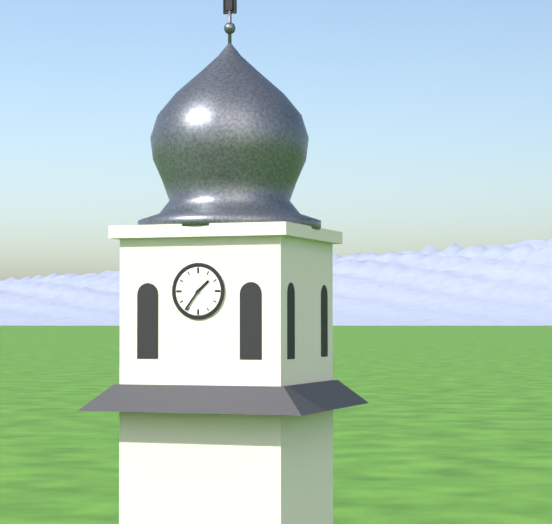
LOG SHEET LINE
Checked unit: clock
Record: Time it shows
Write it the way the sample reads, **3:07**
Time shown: **1:36**
